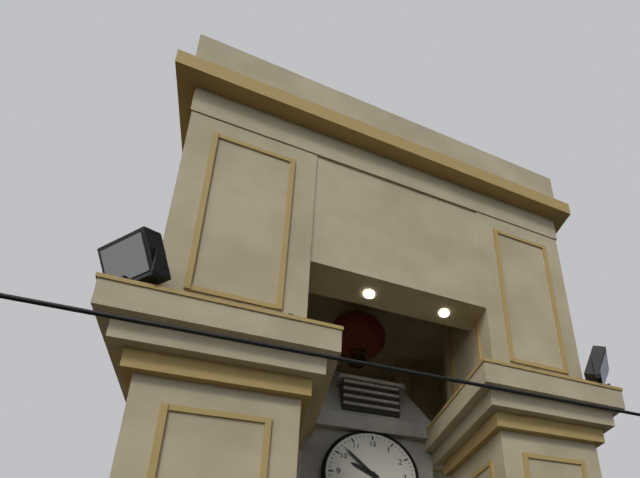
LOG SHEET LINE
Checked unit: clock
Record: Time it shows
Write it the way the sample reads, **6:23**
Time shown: **9:52**
